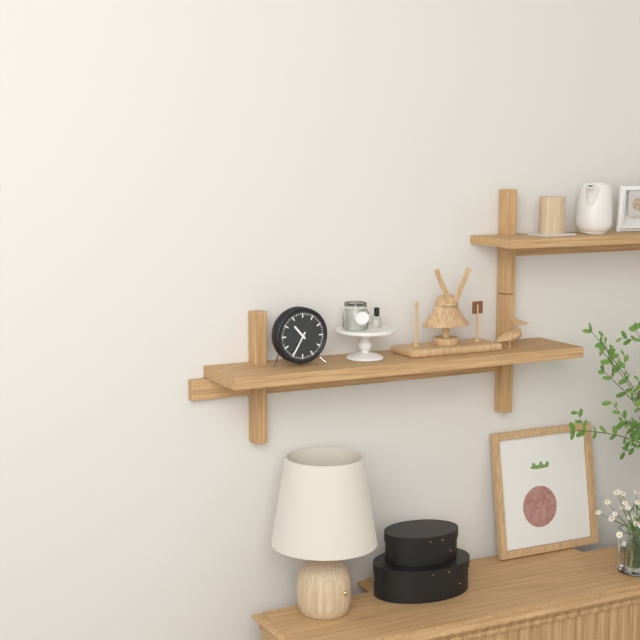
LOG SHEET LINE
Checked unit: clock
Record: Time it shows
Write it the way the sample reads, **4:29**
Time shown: **10:35**
